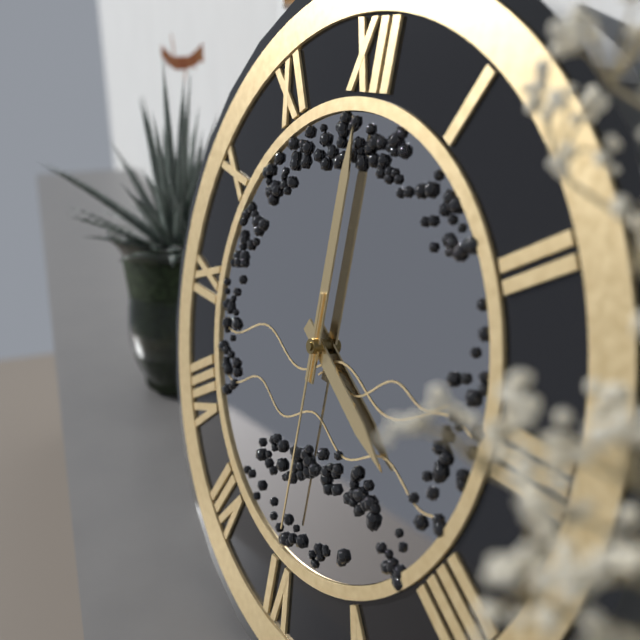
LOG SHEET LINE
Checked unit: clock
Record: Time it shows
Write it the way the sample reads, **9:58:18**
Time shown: **4:00:30**
